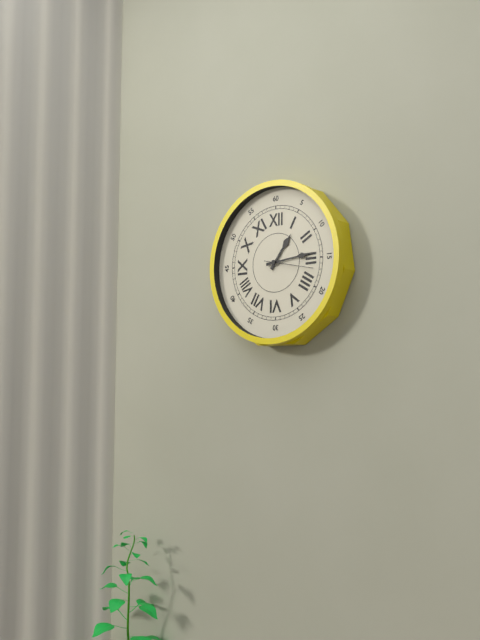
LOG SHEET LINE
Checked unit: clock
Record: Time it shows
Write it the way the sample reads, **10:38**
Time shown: **1:14**
